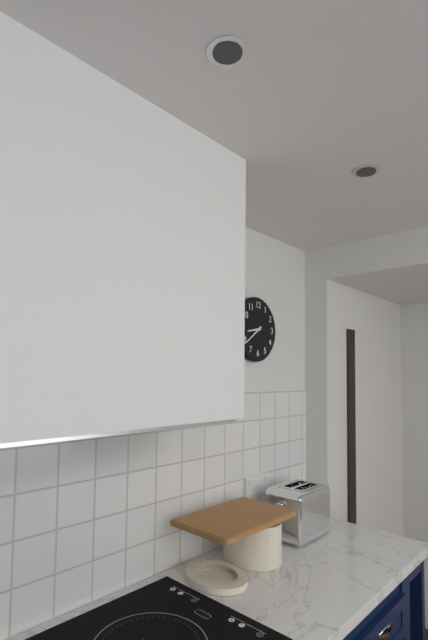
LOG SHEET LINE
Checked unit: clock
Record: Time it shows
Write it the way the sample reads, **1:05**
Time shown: **8:39**
